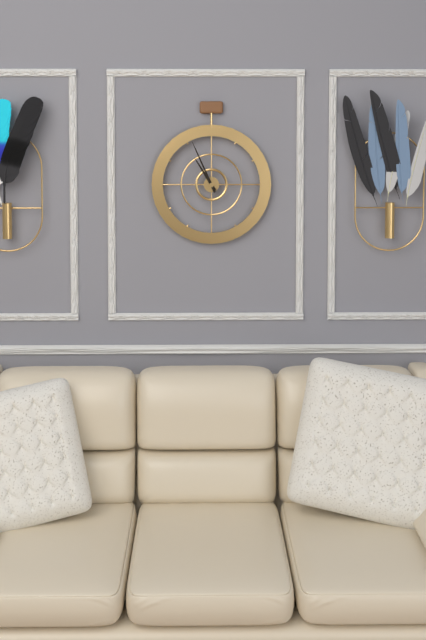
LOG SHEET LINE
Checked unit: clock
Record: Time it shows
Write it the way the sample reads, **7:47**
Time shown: **10:56**
